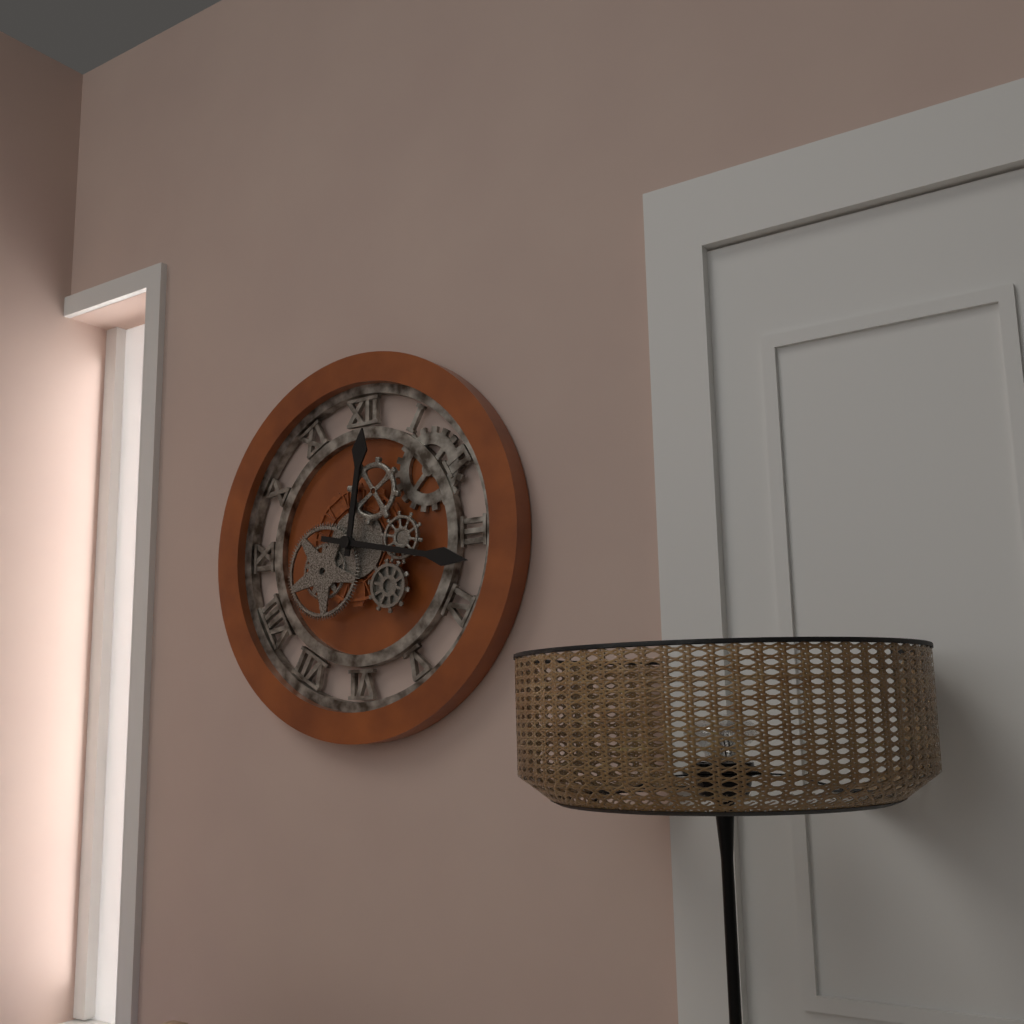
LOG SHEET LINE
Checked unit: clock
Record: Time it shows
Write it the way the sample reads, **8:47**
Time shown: **12:17**
